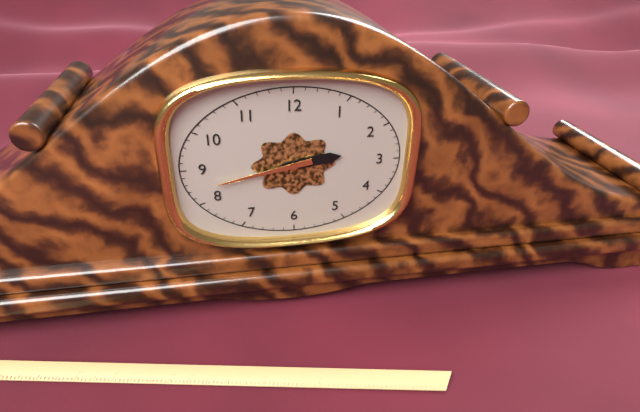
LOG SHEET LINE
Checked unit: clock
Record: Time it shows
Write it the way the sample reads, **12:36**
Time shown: **2:43**
